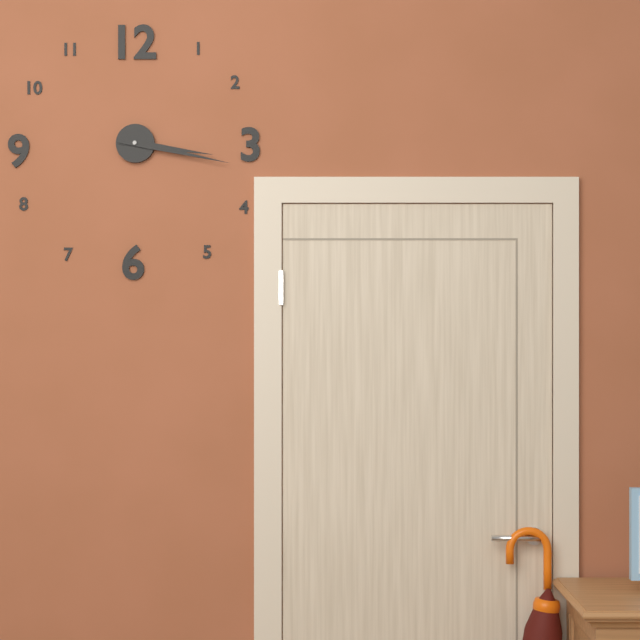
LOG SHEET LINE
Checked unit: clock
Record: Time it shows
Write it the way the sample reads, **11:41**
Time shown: **3:17**
